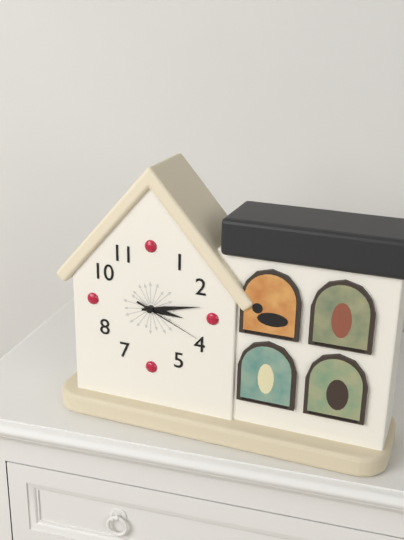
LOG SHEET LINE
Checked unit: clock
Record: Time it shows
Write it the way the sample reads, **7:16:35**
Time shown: **3:13:19**
